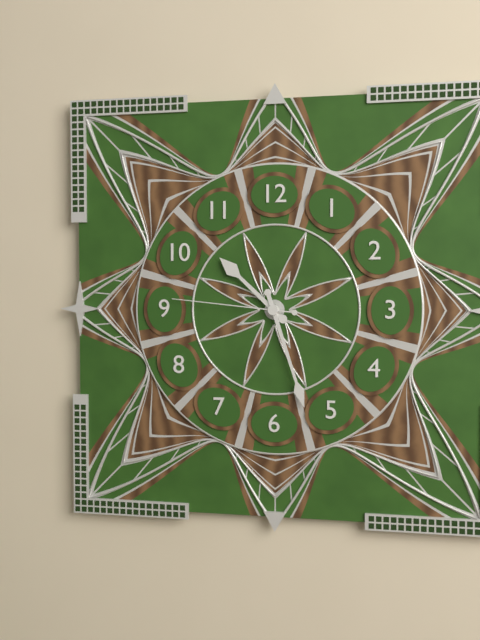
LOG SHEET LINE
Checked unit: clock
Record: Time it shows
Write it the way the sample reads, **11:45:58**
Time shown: **10:27:46**
